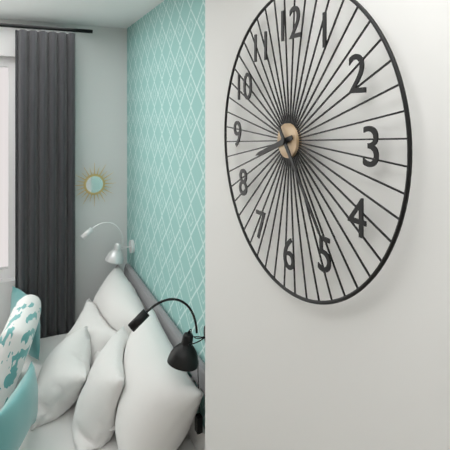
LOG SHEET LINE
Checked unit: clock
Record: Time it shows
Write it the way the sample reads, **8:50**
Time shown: **8:24**
